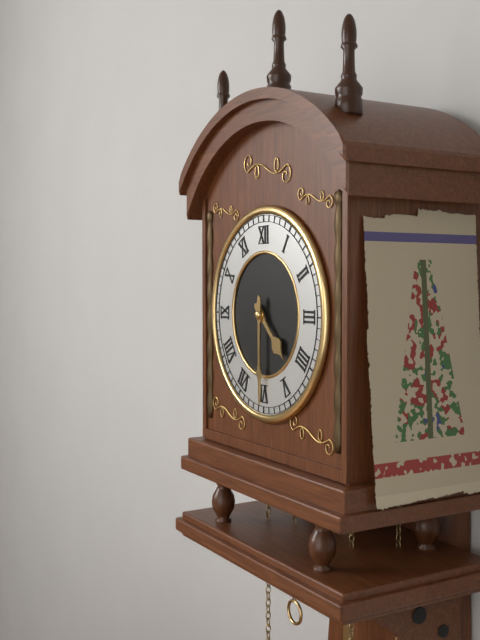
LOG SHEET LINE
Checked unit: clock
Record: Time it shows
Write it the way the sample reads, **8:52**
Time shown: **4:30**
